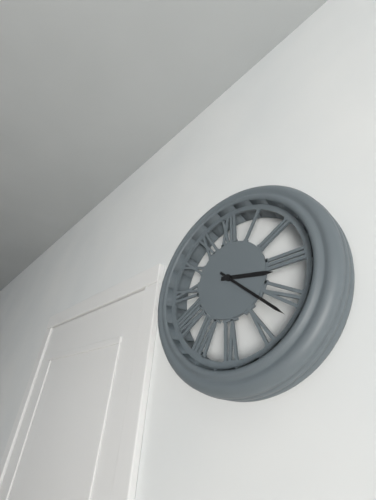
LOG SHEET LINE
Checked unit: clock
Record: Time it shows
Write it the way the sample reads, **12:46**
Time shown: **3:22**
